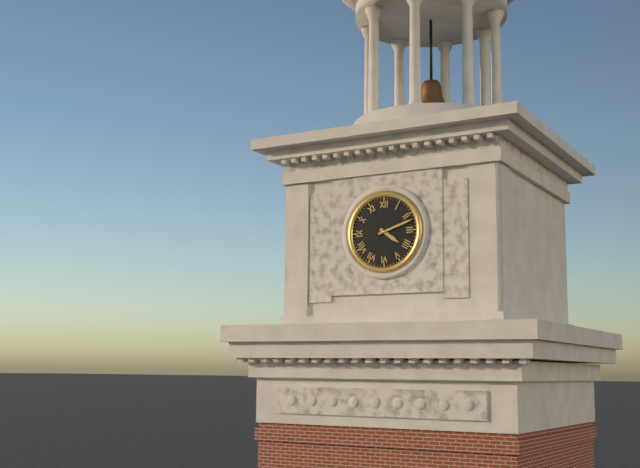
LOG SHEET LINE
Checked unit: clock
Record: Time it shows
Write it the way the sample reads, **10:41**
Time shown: **4:12**
